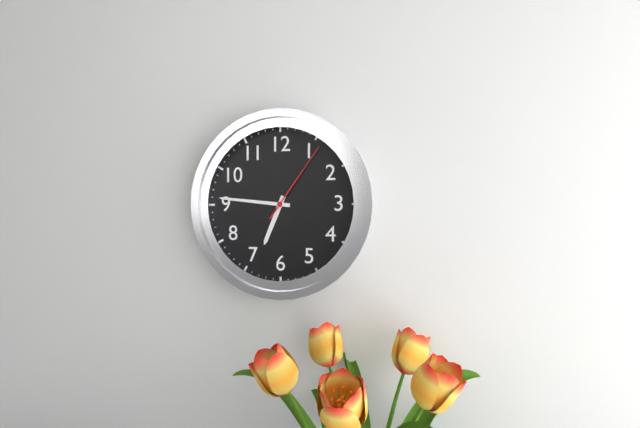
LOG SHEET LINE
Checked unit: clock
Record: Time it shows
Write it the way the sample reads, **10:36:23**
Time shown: **6:46:06**
